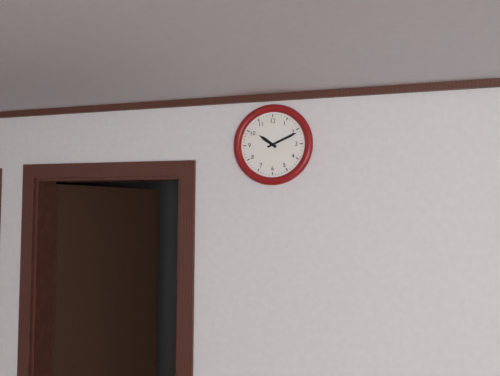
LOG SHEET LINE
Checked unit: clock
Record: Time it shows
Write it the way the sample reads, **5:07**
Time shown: **10:11**
